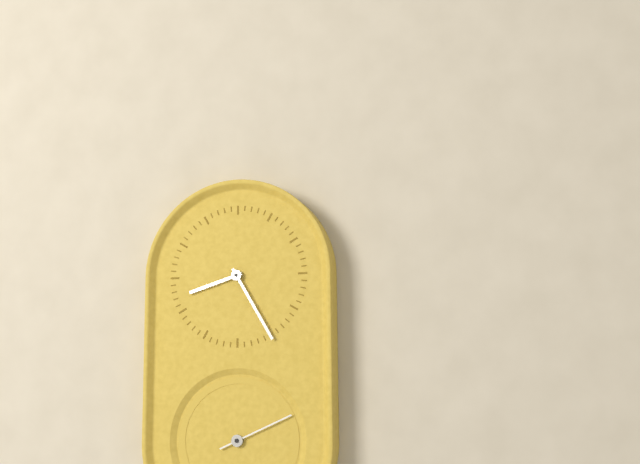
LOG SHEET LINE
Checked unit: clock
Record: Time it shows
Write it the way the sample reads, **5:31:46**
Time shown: **8:25:11**
